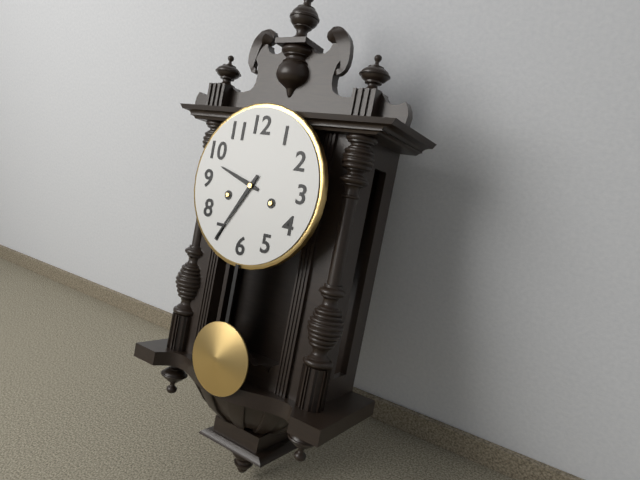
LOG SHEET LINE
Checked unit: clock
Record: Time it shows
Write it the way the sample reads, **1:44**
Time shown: **9:35**
